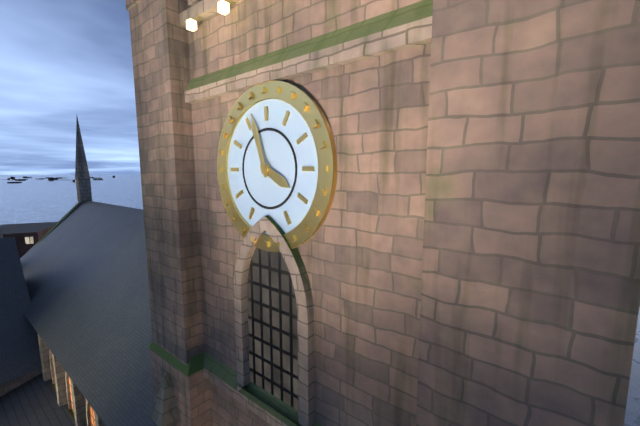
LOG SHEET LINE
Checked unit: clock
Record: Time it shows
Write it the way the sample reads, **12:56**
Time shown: **3:57**
